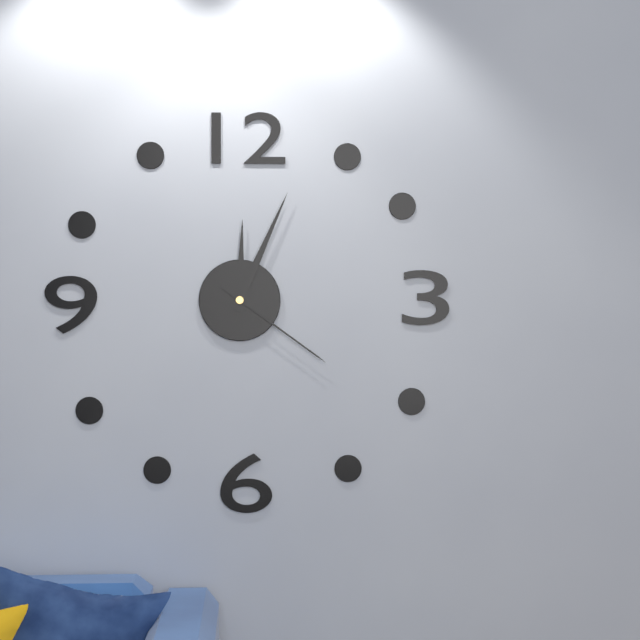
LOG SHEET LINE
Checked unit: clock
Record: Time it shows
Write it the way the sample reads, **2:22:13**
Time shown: **12:04:21**
